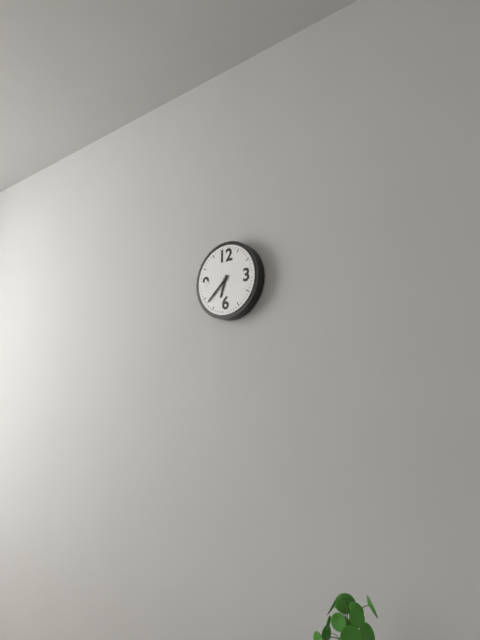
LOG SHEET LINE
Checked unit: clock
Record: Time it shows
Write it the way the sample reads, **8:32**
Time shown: **6:38**
